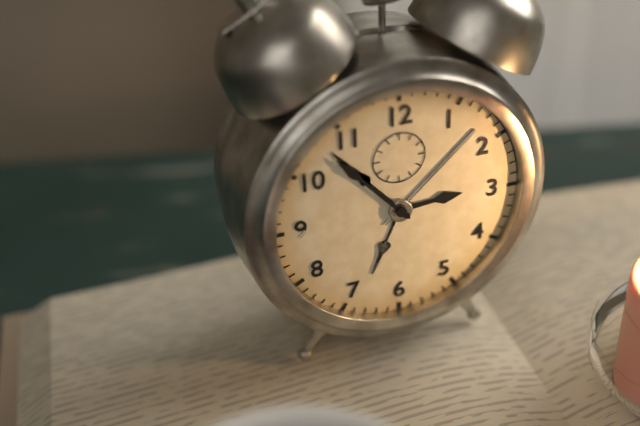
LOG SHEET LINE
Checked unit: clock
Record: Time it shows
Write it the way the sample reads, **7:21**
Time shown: **2:53**
